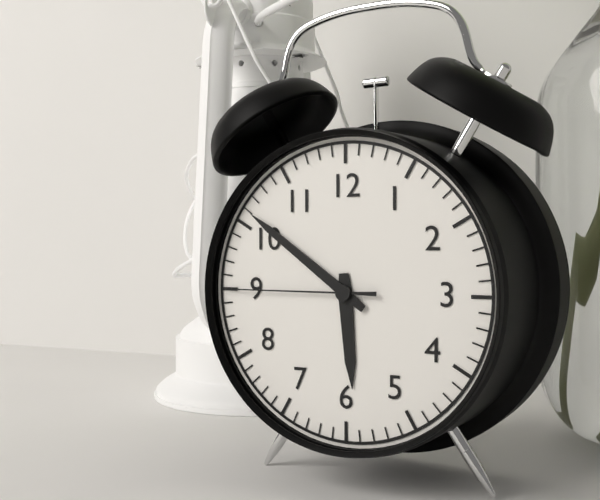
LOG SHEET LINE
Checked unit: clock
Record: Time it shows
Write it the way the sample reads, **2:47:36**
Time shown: **5:51:45**
